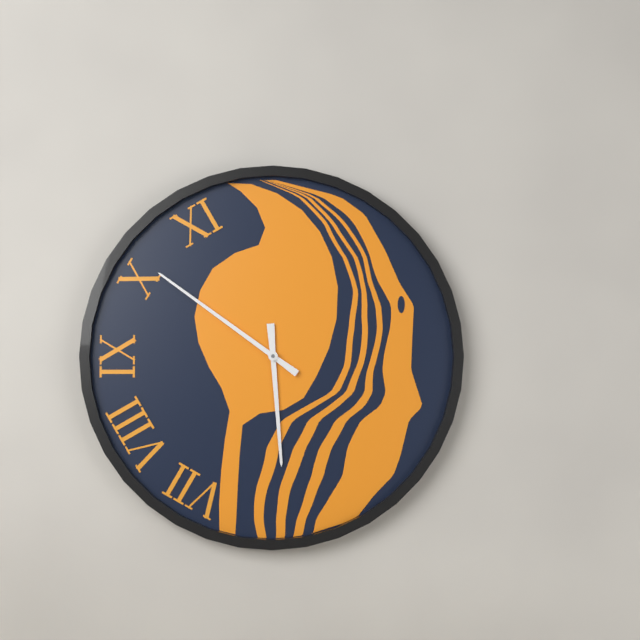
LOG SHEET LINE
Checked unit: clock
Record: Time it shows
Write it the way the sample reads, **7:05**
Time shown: **5:51**
